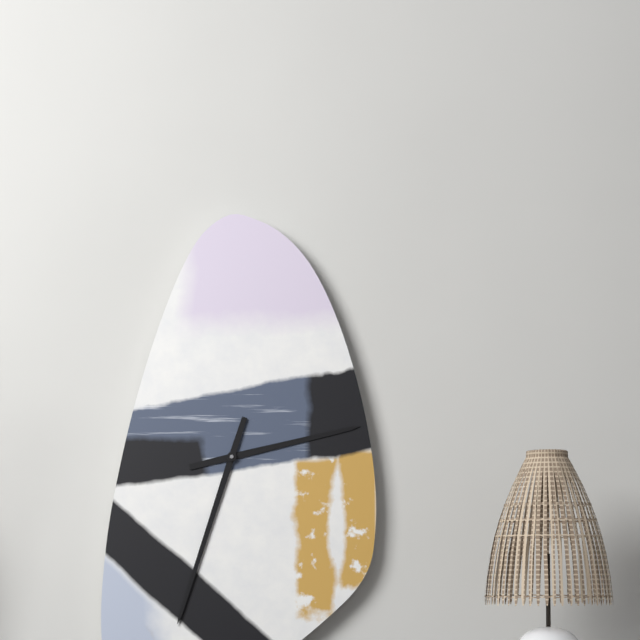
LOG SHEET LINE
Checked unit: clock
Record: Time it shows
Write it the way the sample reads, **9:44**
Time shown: **2:33**
